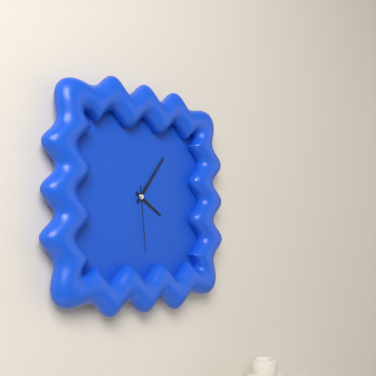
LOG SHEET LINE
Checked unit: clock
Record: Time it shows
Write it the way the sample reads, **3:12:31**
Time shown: **4:06:29**
